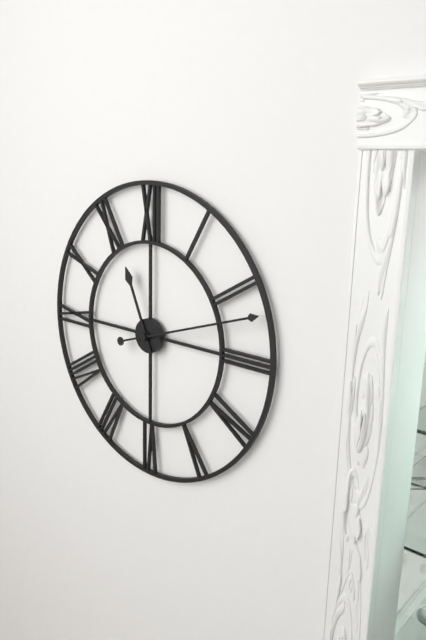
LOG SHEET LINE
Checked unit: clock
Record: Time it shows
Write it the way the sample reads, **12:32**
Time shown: **11:12**
